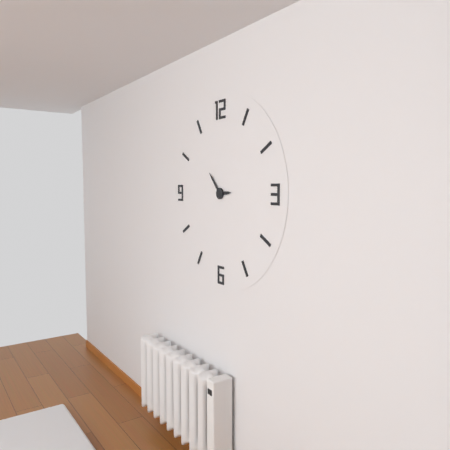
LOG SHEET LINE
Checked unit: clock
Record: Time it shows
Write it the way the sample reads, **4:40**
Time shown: **2:53**
